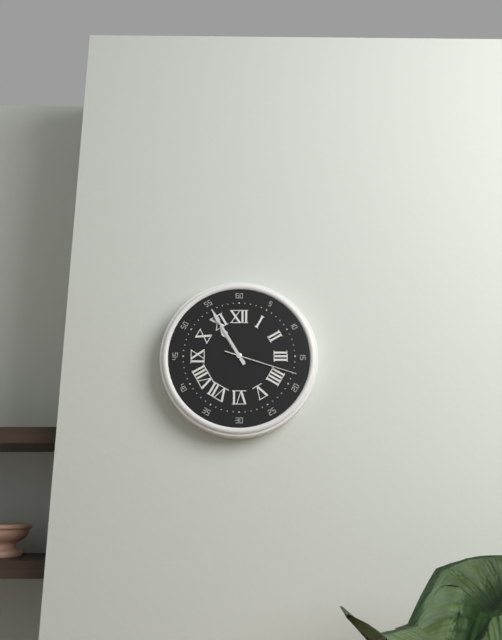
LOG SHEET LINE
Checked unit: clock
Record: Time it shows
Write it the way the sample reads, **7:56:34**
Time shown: **10:55:18**
